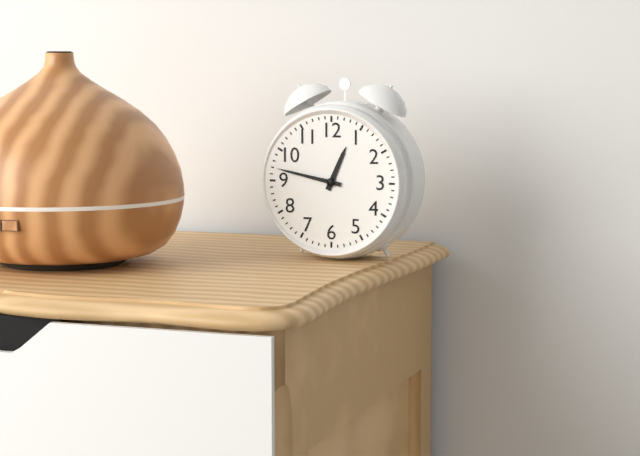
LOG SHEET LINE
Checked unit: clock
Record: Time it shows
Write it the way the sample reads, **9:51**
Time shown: **12:47**
